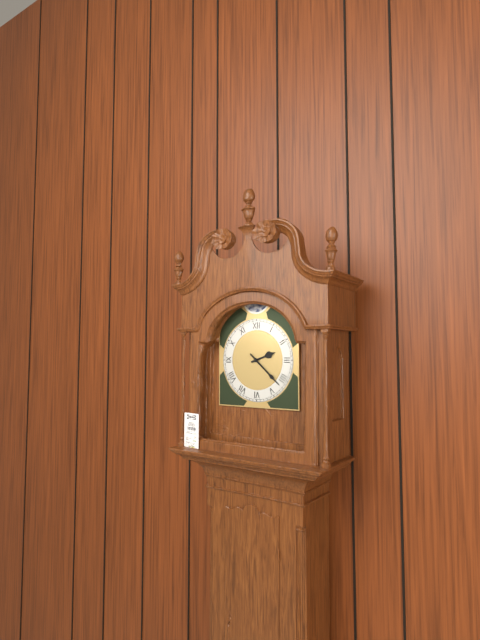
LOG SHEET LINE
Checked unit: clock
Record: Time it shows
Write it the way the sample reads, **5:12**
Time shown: **2:22**
